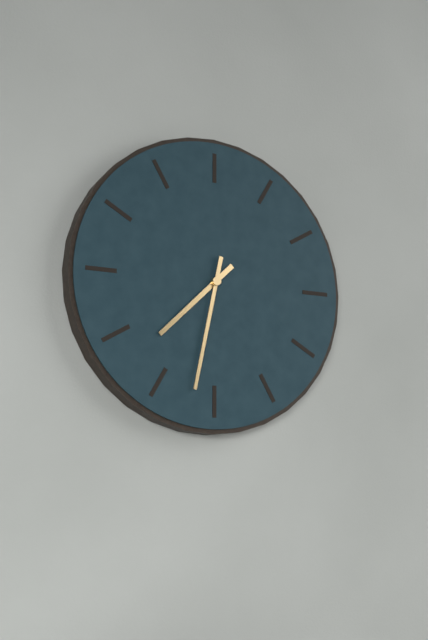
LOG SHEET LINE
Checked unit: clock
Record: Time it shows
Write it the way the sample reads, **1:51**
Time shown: **7:32**
